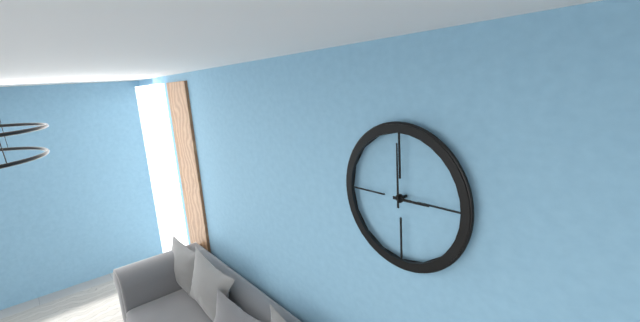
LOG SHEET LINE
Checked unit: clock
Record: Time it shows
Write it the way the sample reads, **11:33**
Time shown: **3:00**
